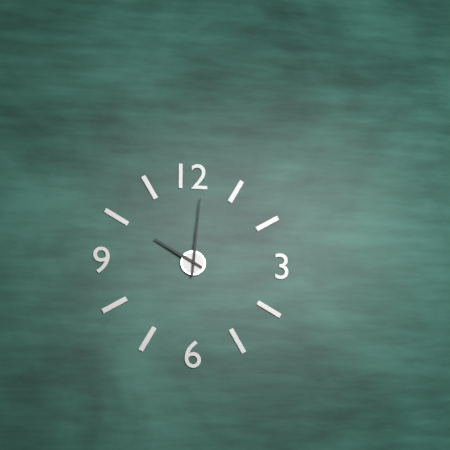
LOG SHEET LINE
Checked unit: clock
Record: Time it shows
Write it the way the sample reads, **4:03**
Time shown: **10:01**
